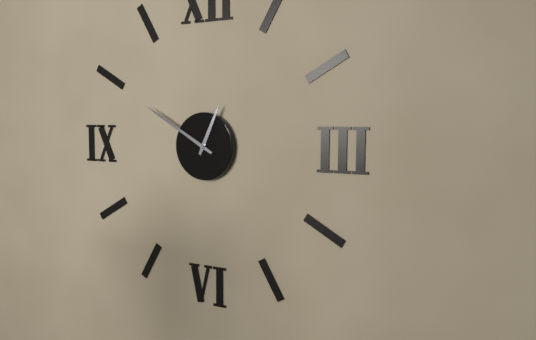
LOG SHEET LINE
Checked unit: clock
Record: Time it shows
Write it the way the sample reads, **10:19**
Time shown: **12:50**
